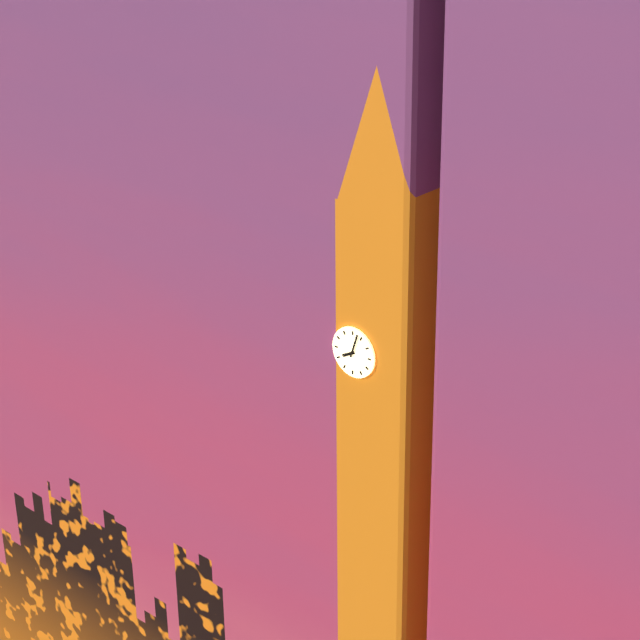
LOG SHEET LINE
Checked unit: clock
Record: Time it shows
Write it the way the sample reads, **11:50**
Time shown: **8:03**
